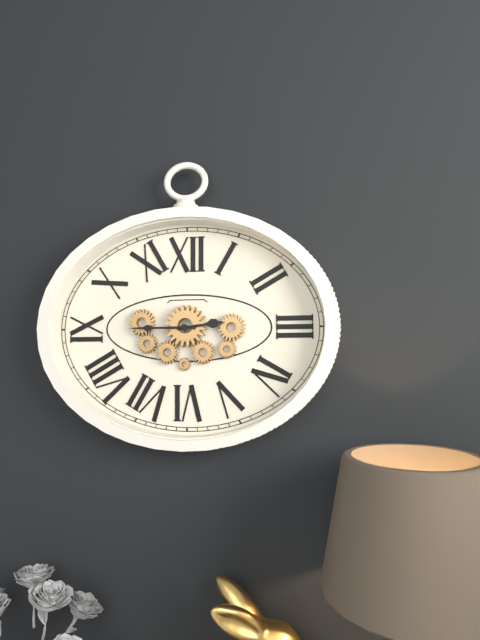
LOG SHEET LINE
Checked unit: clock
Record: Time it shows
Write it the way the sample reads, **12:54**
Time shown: **2:45**
